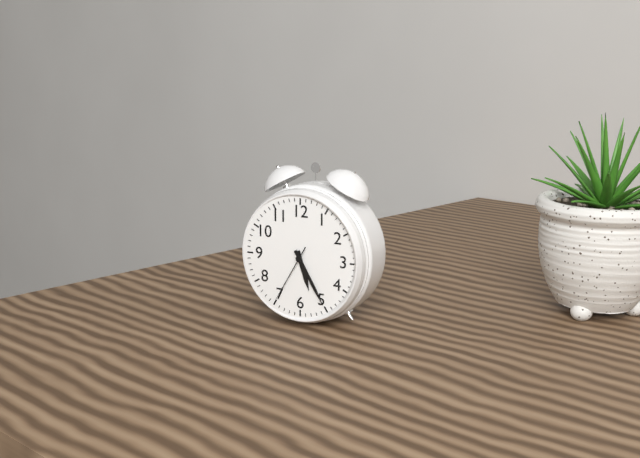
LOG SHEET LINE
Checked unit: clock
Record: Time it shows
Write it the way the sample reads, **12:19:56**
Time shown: **5:25:35**
